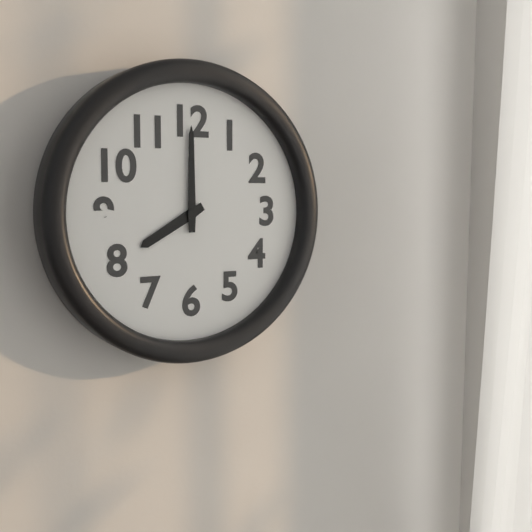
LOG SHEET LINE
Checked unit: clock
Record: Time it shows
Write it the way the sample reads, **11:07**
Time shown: **8:00**
